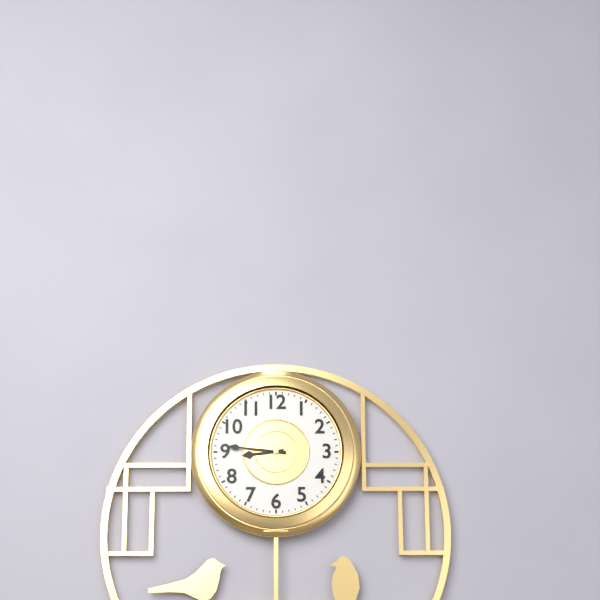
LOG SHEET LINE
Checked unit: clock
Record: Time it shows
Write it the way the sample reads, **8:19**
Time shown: **8:46**
